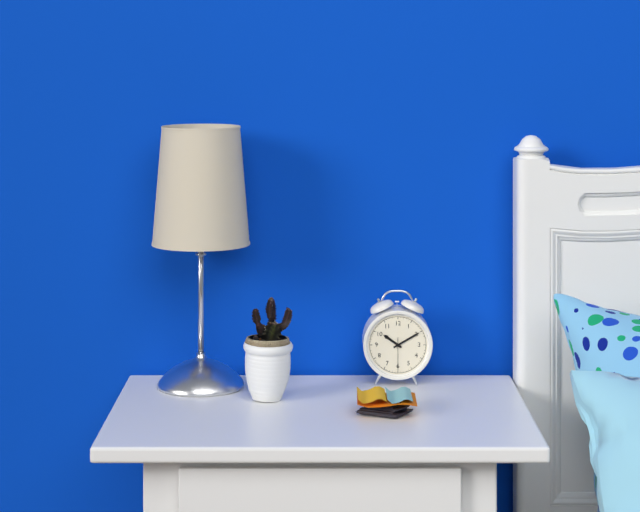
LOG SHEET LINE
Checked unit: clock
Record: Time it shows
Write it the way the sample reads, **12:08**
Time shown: **10:10**
